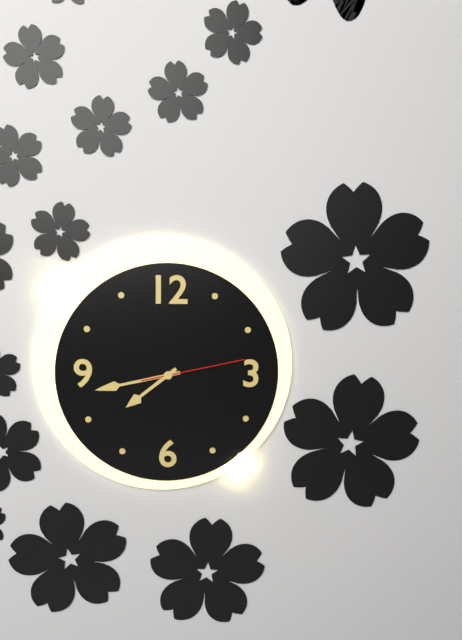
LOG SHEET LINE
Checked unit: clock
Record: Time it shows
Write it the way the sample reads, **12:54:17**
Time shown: **7:43:13**
